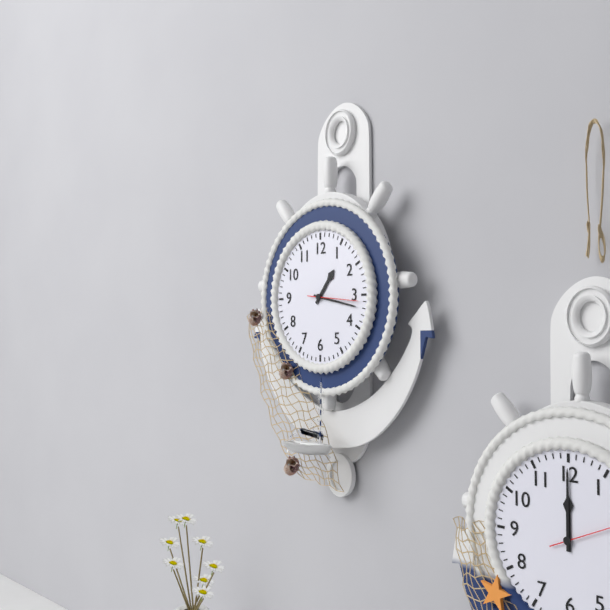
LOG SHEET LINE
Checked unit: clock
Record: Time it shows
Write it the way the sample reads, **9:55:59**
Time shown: **1:17:16**
